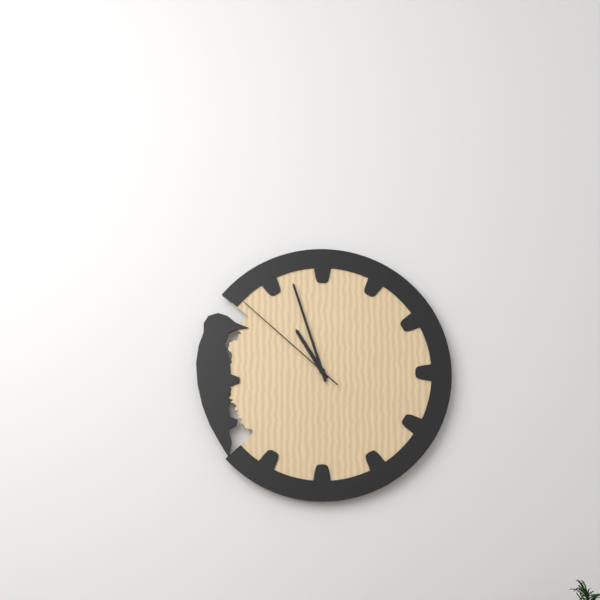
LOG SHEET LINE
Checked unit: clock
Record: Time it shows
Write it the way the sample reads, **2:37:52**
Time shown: **10:57:52**
